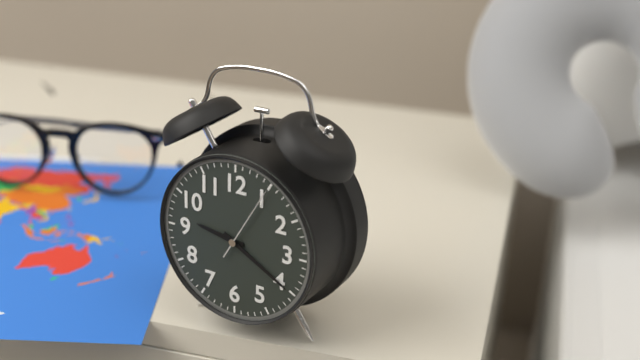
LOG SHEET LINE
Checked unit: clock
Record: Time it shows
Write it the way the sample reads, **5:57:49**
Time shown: **9:20:05**
